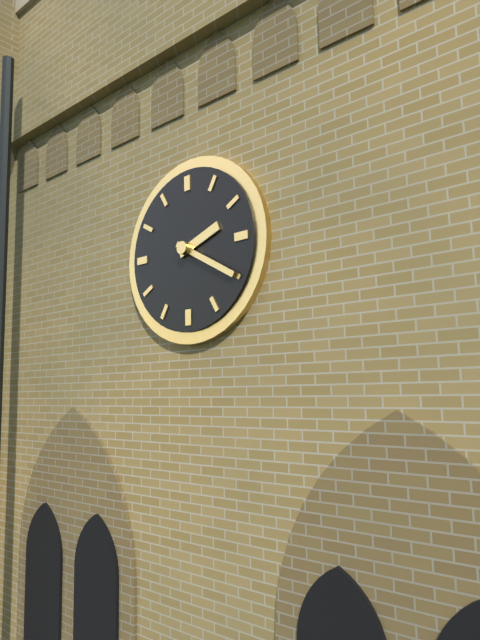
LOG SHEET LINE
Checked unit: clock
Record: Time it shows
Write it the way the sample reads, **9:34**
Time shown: **2:20**
